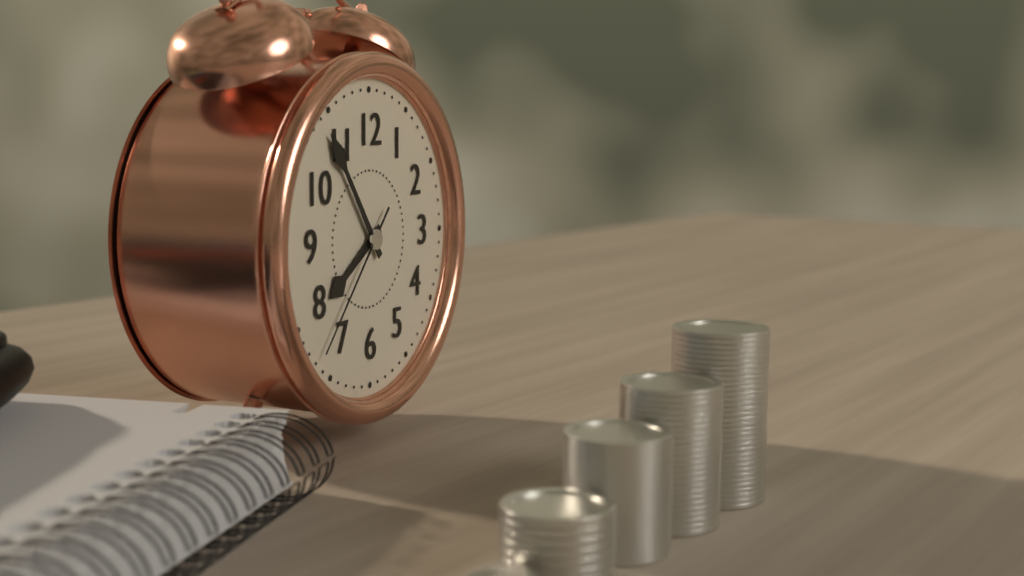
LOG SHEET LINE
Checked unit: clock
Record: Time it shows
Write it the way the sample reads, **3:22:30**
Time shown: **7:54:37**
